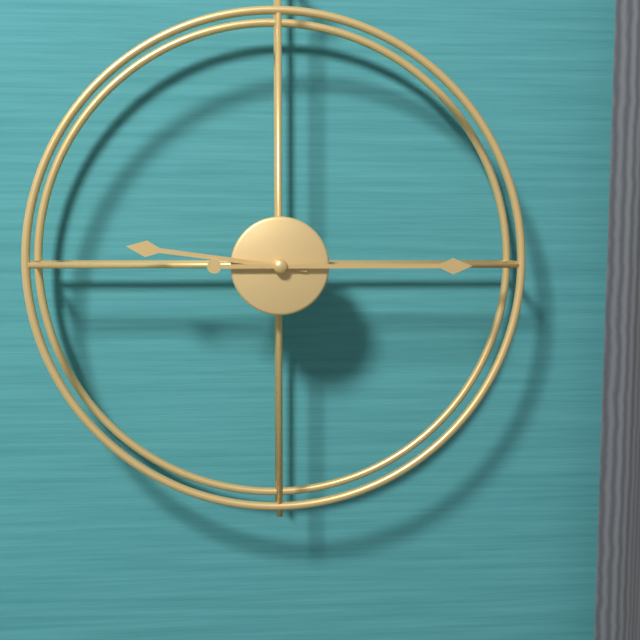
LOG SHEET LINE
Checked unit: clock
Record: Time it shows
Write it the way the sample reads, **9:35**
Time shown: **9:15**
